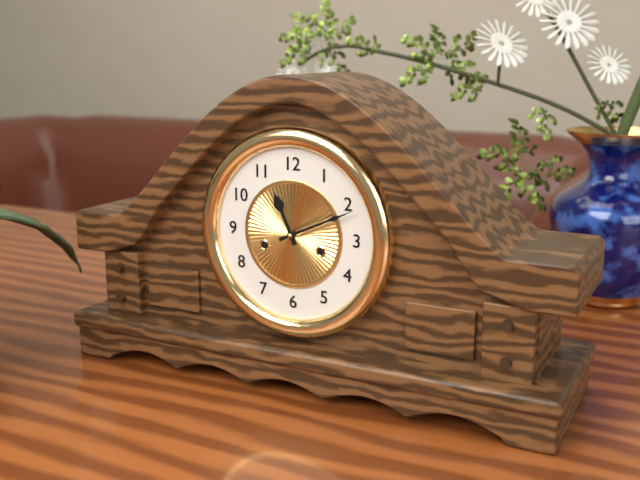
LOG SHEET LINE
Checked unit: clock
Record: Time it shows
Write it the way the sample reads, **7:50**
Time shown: **11:11**
